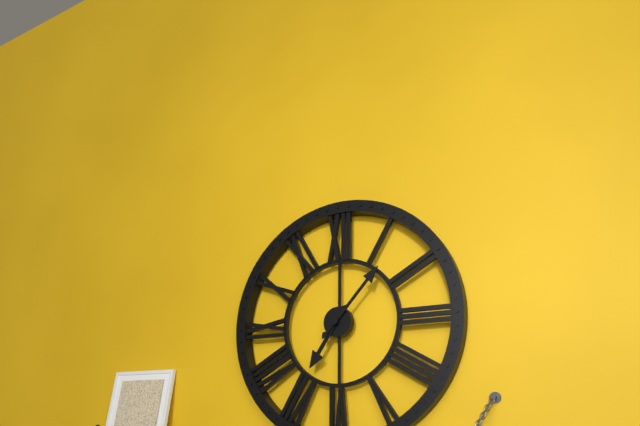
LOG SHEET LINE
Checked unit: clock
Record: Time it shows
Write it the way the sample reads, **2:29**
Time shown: **7:07**
